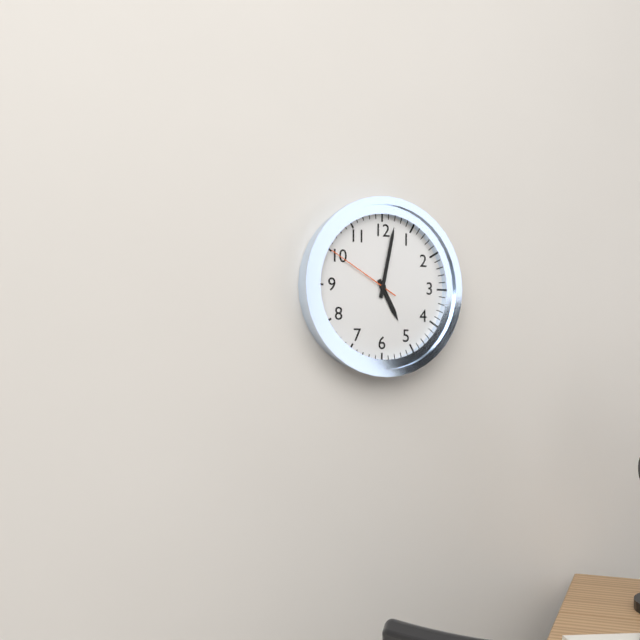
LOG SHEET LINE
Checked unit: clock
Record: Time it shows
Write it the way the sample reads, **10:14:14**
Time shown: **5:02:50**
